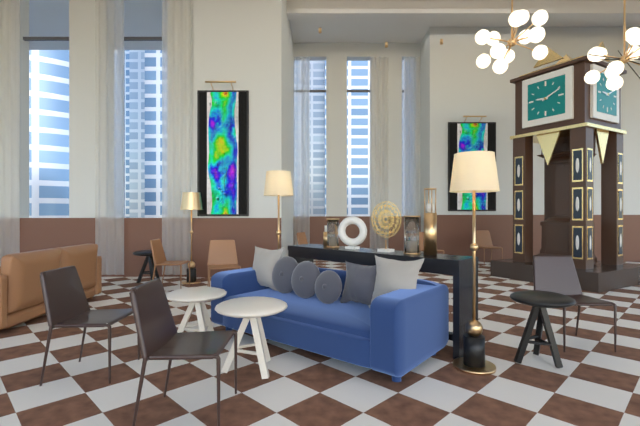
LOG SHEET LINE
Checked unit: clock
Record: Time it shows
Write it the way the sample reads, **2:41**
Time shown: **9:11**
